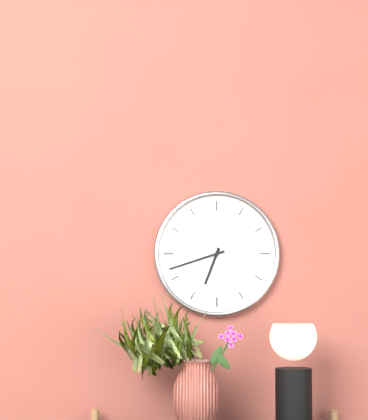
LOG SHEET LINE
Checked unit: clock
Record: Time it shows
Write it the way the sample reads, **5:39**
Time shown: **6:42**
